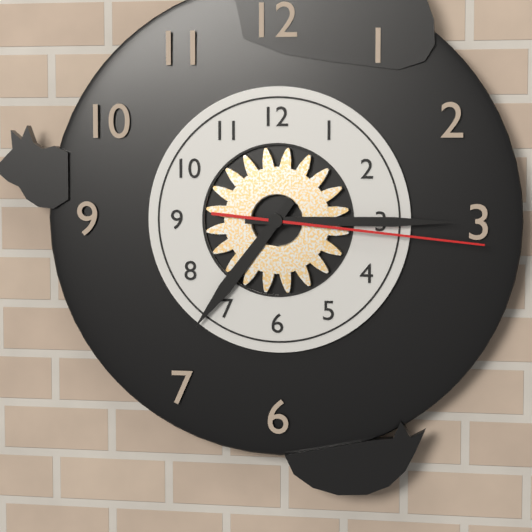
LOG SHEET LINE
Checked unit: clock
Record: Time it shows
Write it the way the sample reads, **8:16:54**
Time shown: **7:15:16**
